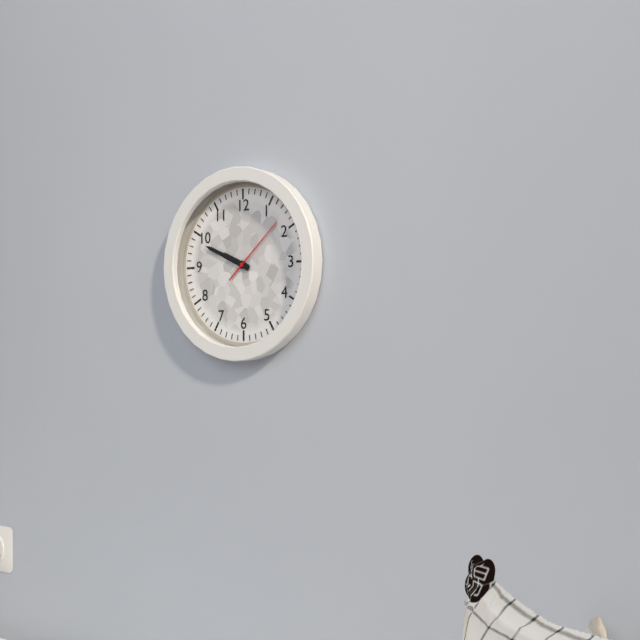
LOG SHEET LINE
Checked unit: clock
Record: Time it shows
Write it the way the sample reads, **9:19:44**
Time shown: **9:49:08**
